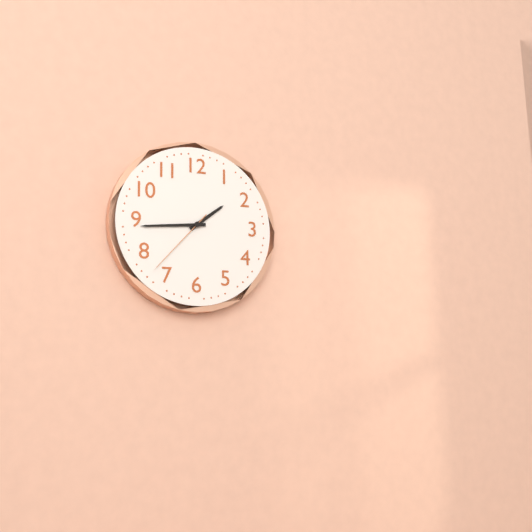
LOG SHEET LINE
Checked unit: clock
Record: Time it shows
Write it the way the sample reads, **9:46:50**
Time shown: **1:44:37**
